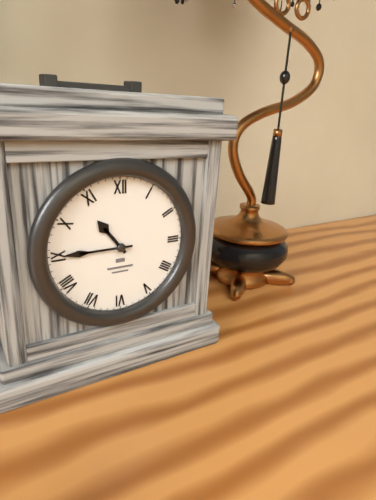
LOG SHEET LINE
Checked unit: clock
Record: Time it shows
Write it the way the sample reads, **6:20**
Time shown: **10:45**
